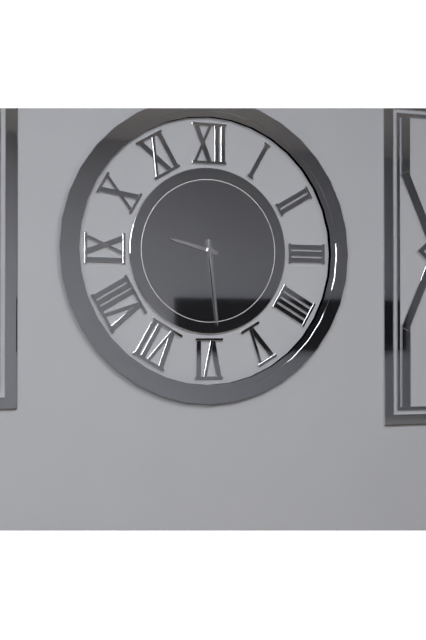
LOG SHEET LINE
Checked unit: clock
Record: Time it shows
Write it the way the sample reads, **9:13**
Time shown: **9:29**
